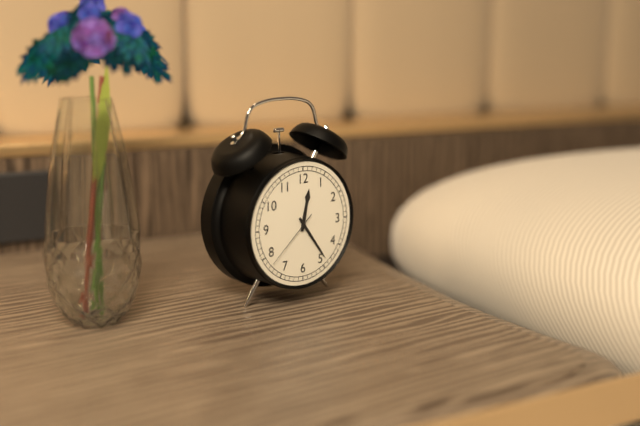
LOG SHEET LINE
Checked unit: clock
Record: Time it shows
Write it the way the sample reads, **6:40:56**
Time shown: **12:24:38**
